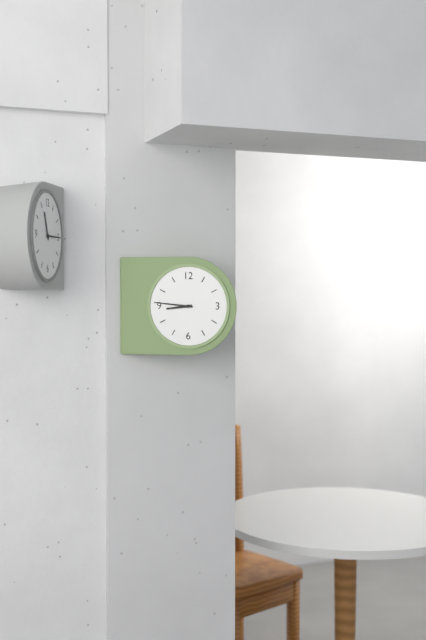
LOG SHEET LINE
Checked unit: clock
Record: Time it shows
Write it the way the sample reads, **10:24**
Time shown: **8:46**
